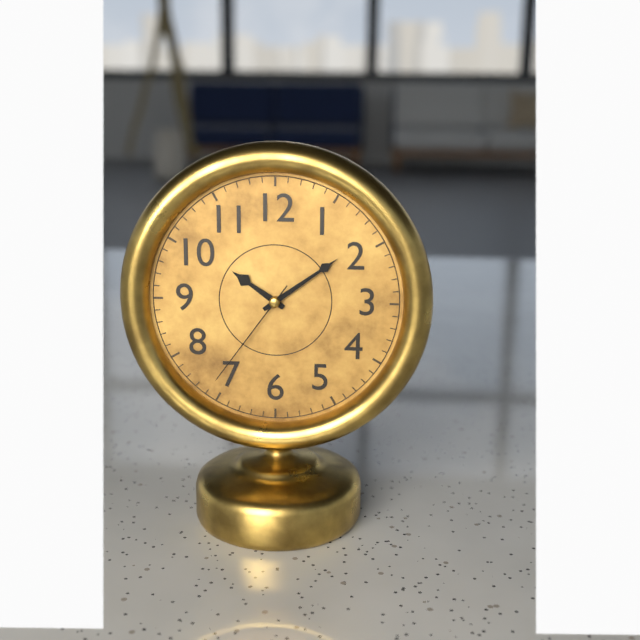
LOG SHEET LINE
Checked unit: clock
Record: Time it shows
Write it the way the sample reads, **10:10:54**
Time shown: **10:09:36**
